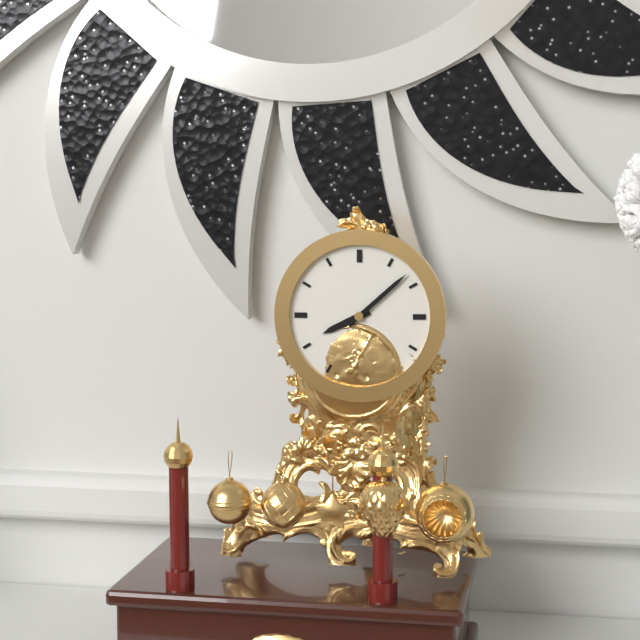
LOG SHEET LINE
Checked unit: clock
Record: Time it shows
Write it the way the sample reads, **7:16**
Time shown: **8:08**
